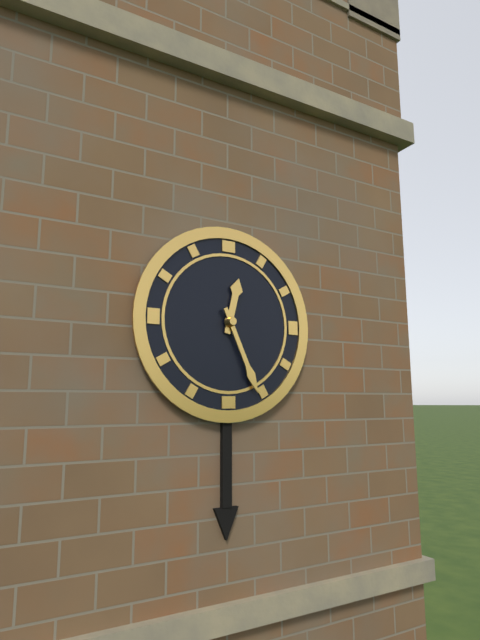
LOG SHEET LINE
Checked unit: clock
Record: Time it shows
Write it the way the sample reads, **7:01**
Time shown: **12:26**
